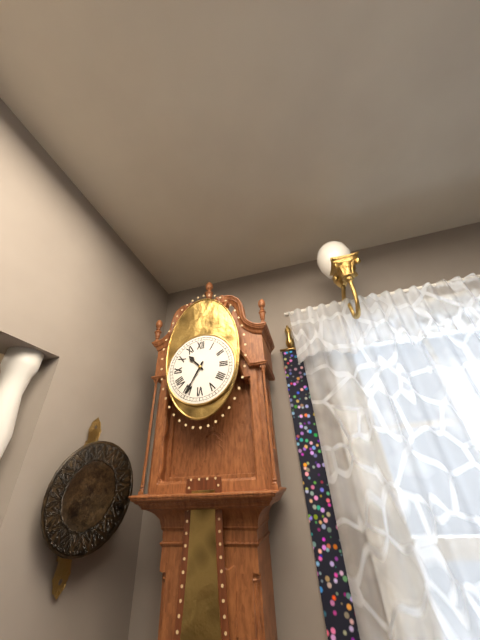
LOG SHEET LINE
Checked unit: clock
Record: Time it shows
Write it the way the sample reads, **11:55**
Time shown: **10:35**
